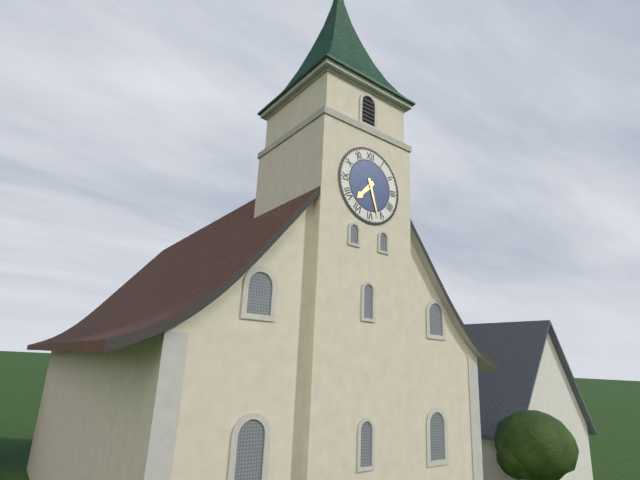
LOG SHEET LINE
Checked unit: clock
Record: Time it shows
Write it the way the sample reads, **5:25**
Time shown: **7:27**
